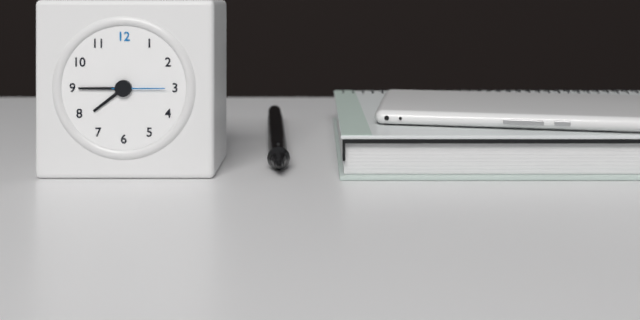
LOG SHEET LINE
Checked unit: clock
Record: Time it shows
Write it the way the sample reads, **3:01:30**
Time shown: **7:45:15**
